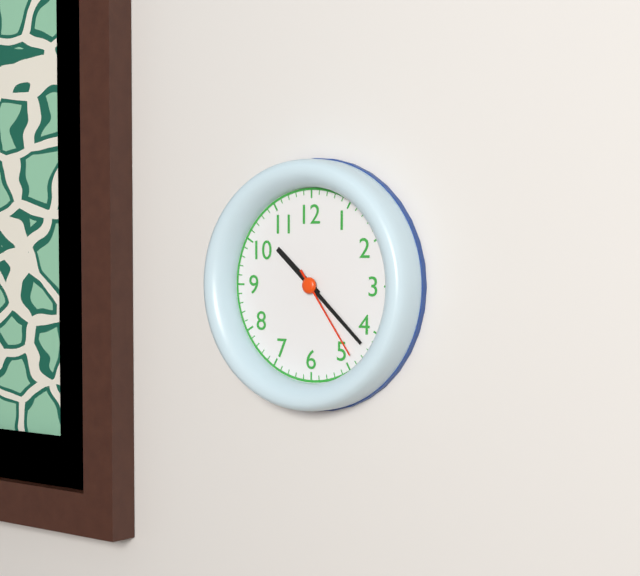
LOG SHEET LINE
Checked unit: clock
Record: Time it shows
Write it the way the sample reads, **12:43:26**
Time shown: **10:22:24**
